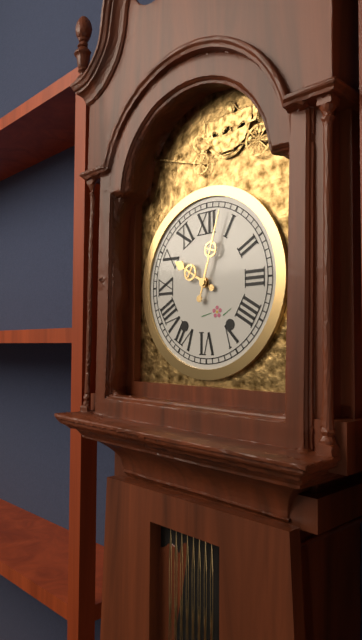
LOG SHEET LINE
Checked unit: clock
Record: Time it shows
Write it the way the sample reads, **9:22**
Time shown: **10:03**
